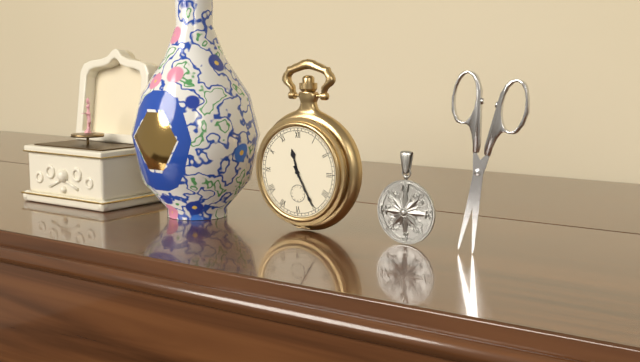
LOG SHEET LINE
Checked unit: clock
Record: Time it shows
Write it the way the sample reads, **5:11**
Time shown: **11:25**
